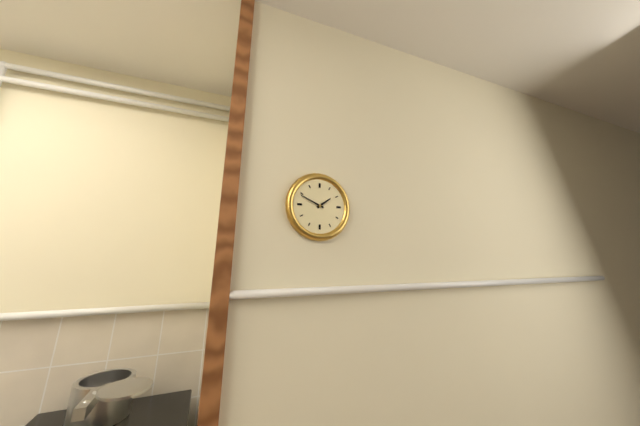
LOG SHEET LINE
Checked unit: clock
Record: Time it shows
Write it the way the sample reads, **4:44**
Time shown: **1:49**
